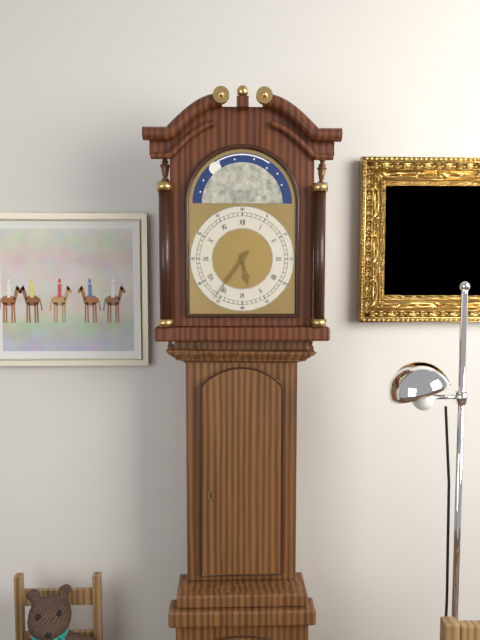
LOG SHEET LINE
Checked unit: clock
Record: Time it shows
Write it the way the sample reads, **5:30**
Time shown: **5:36**
